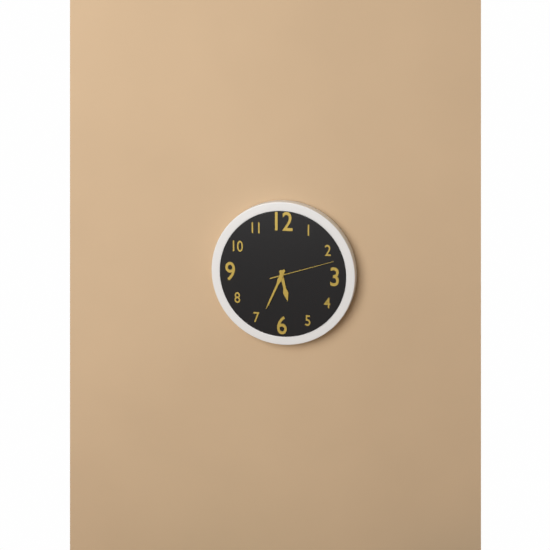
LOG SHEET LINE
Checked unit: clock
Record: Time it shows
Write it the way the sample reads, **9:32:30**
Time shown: **5:34:12**
